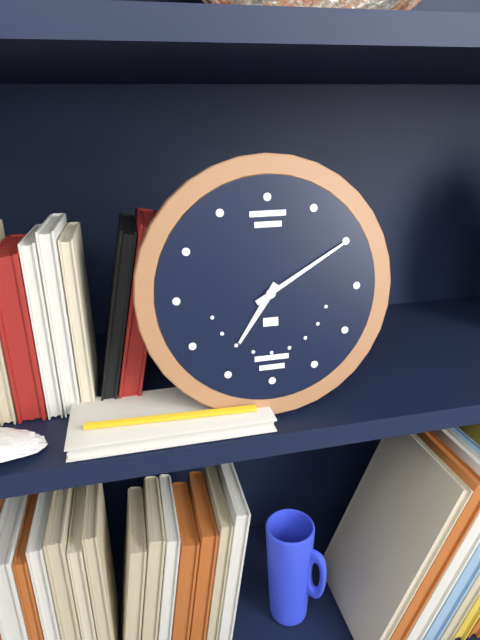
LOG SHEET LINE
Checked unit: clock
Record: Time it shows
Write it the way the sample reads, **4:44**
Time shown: **7:10**
